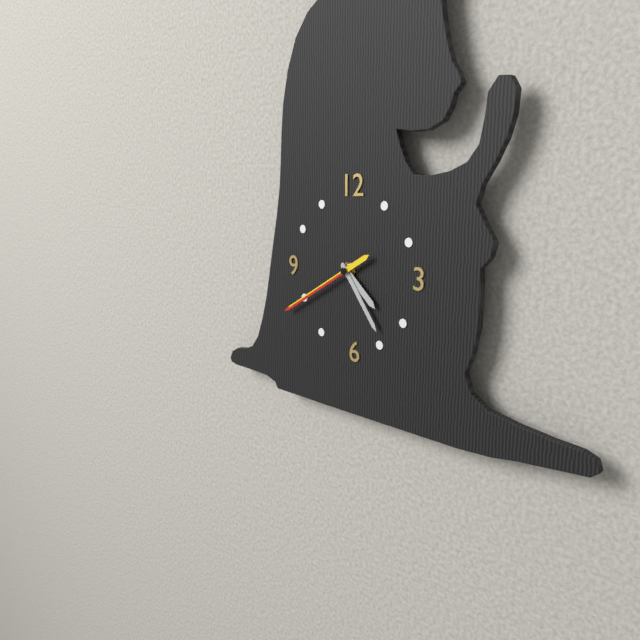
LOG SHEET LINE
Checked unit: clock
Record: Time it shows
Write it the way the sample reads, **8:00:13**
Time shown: **4:24:40**
